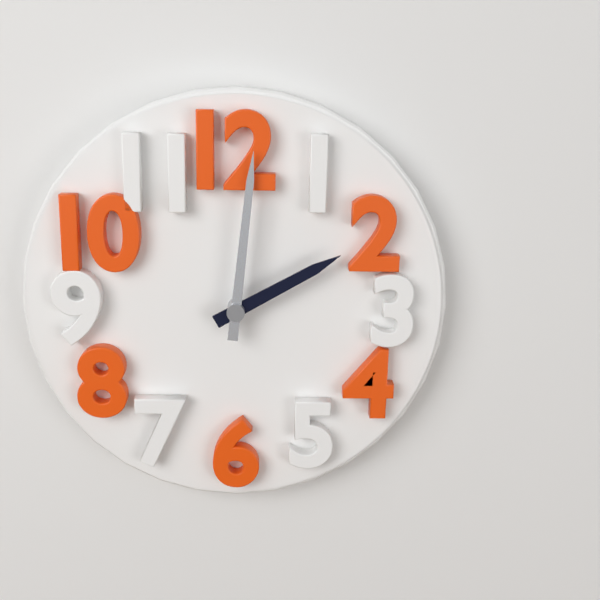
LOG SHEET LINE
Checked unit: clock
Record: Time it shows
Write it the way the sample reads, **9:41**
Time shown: **2:01**
